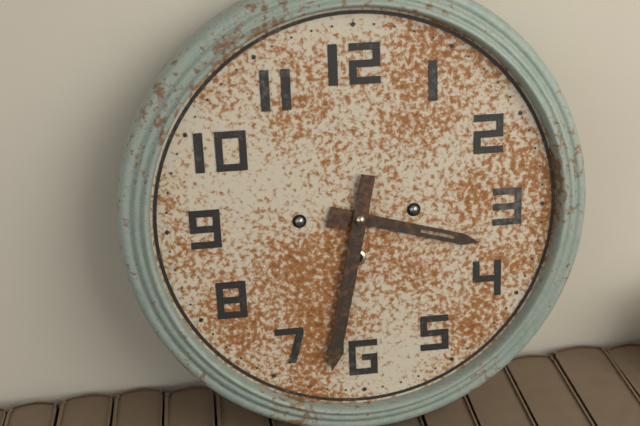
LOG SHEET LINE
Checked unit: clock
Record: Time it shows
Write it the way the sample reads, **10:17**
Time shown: **3:32**
